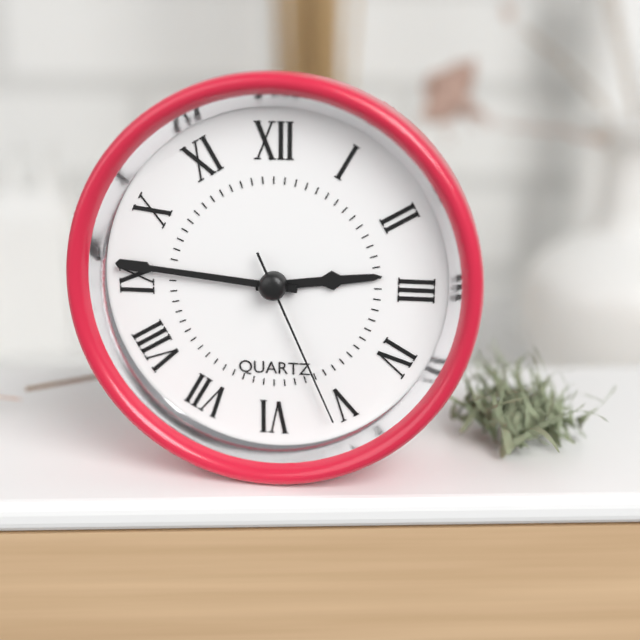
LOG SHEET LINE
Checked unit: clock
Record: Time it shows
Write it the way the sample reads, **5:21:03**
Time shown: **2:46:26**
